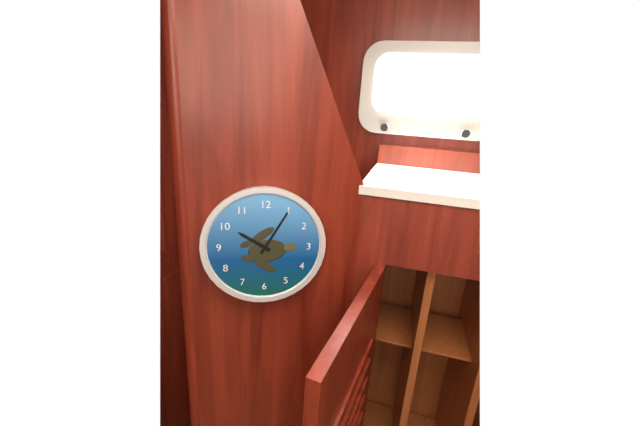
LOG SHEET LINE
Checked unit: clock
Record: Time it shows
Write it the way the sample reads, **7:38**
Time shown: **10:05**
